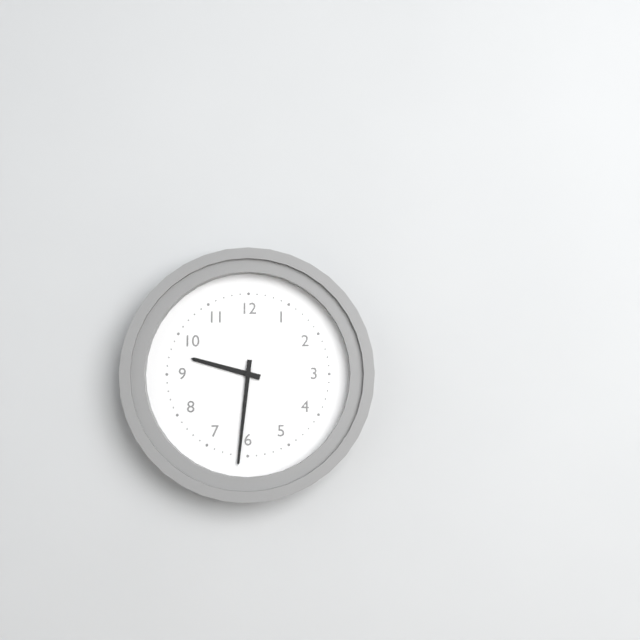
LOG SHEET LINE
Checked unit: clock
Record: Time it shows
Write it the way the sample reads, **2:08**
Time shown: **9:31**
